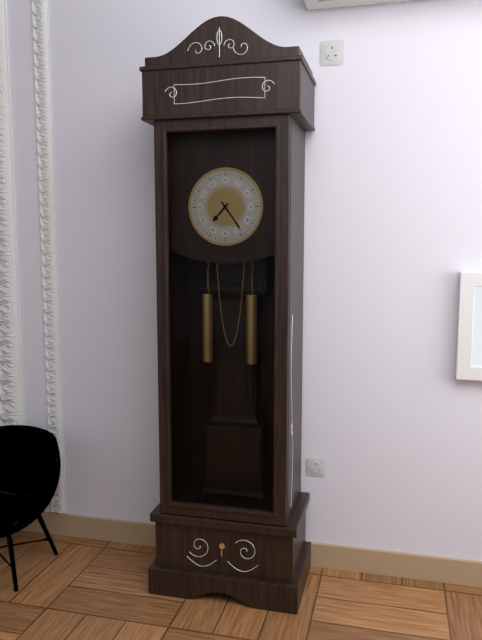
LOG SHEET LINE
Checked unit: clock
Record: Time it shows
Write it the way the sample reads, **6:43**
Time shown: **7:24**
